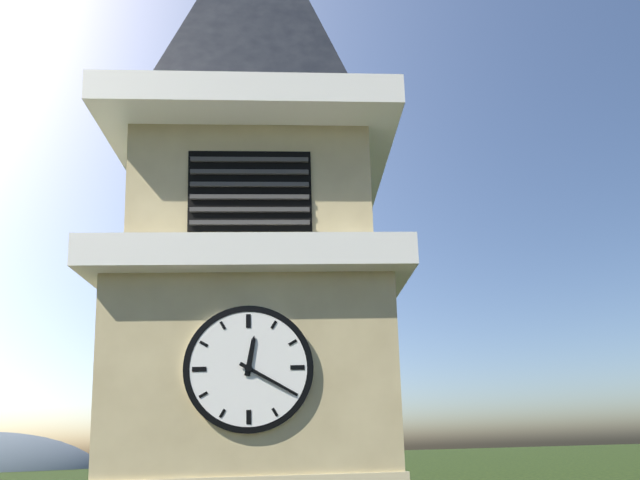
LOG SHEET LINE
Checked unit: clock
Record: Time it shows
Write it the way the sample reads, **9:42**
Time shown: **12:20**
